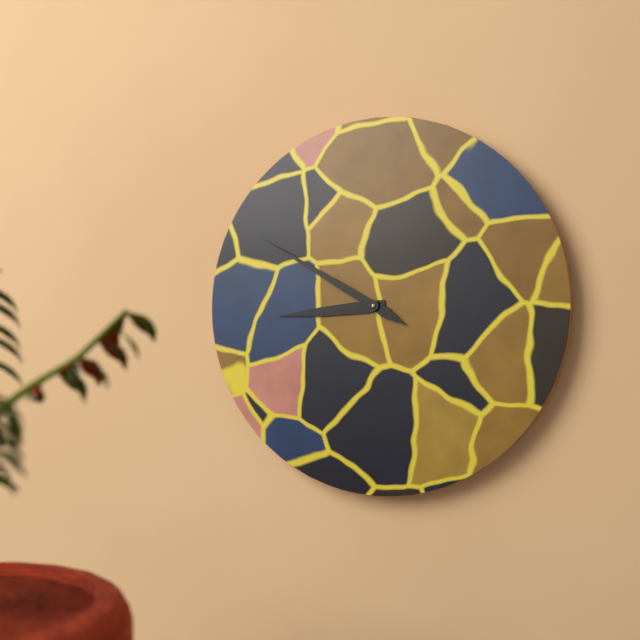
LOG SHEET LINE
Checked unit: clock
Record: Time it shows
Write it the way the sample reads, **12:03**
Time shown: **8:50**
